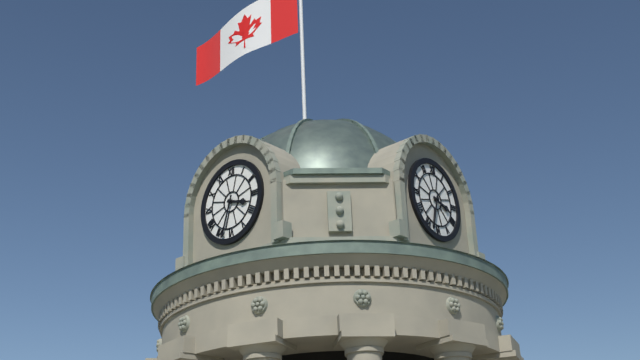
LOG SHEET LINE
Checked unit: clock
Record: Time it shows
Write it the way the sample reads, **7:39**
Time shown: **3:33**
